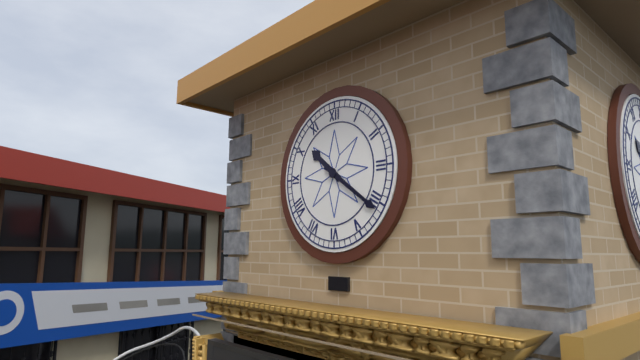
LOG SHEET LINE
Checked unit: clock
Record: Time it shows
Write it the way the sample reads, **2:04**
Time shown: **10:21**
